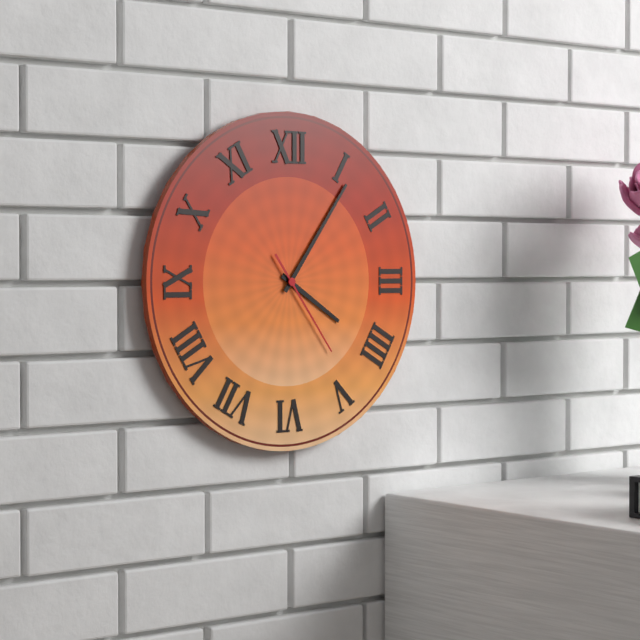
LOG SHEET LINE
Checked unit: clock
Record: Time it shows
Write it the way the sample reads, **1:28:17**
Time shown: **4:06:24**
